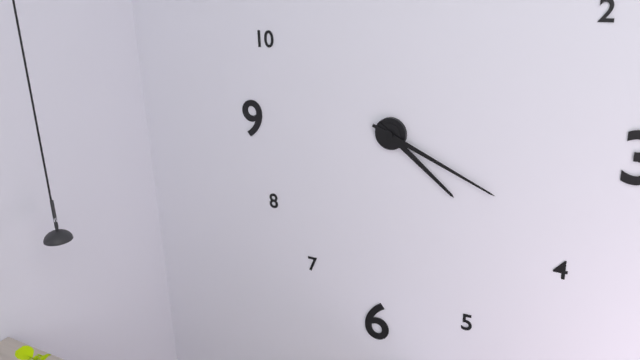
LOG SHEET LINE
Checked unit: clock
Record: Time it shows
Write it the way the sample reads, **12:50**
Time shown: **4:19**
